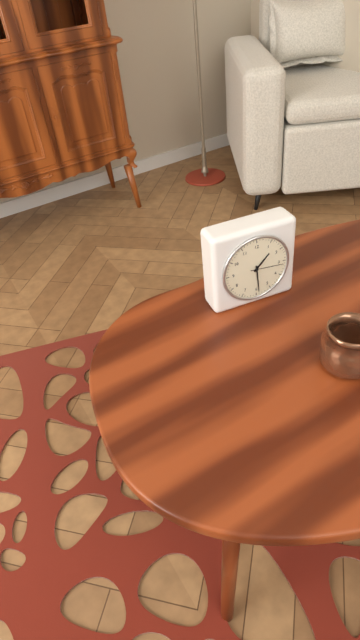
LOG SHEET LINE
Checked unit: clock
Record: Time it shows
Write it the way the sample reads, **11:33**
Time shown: **1:29**
